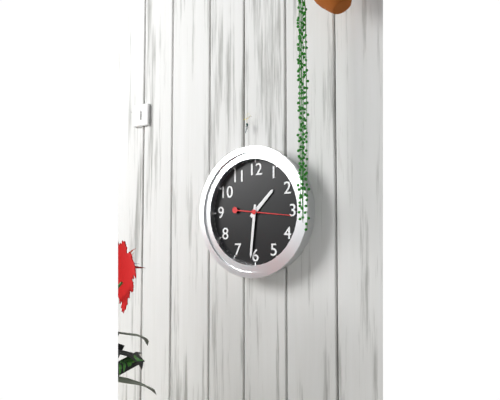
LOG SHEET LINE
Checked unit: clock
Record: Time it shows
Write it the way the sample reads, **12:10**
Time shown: **1:31**
